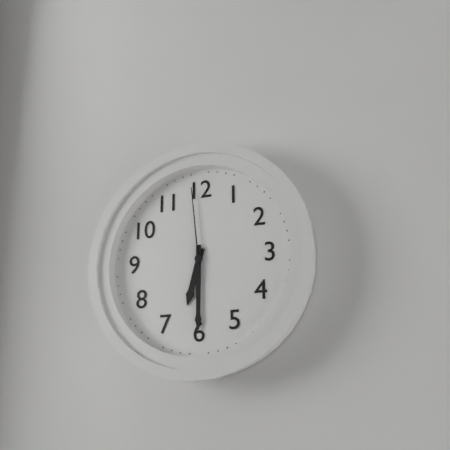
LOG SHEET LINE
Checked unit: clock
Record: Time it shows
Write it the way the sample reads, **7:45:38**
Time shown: **6:30:59**
